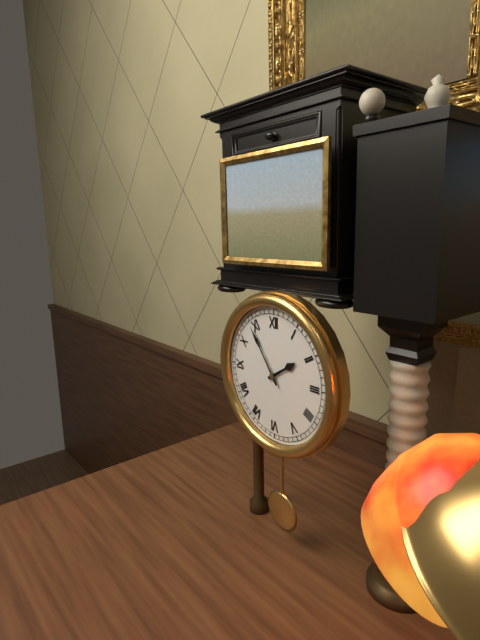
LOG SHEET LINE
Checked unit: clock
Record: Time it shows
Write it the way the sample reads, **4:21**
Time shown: **1:54**
